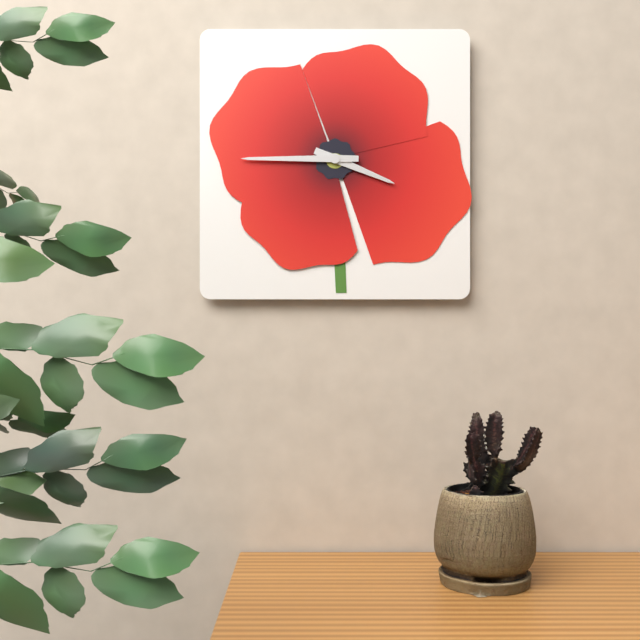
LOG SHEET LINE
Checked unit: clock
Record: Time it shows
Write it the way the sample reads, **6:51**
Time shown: **3:45**
